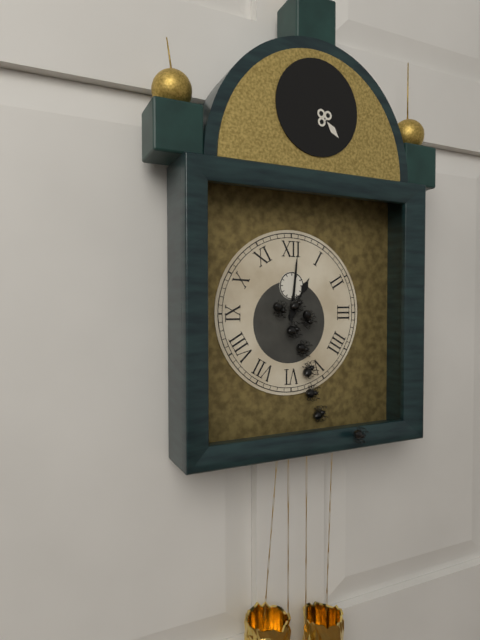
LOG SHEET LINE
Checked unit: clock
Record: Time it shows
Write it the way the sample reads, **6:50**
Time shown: **1:01**
